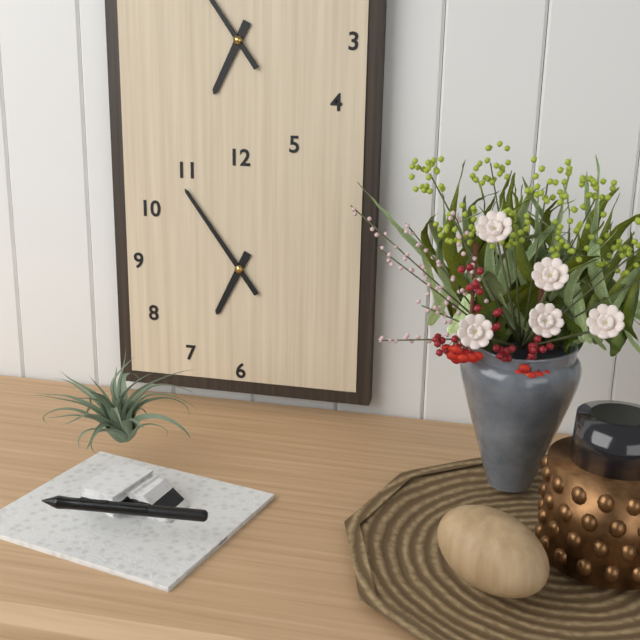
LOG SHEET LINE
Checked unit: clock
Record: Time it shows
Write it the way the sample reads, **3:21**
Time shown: **6:54**
